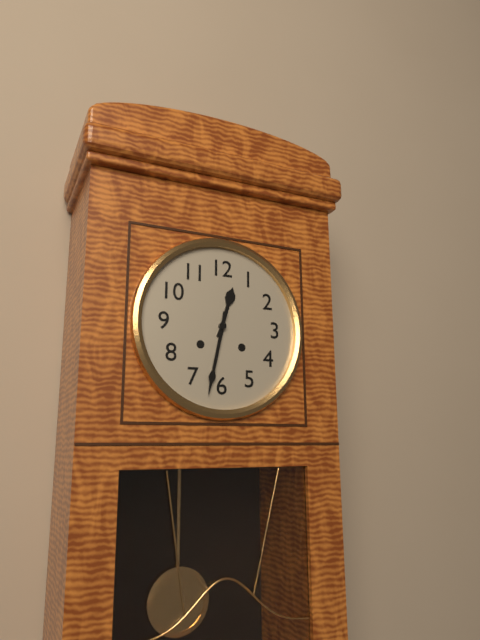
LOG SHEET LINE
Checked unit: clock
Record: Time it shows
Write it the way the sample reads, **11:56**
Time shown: **12:32**
